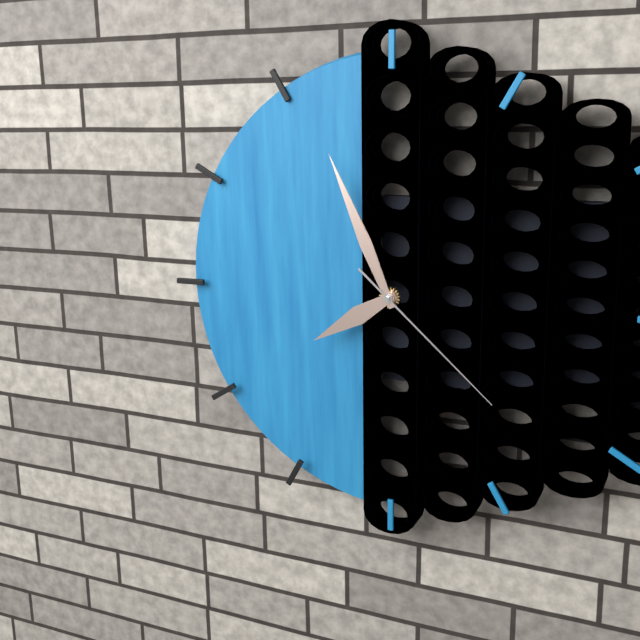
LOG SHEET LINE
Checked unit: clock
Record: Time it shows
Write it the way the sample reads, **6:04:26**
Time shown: **7:56:22**
